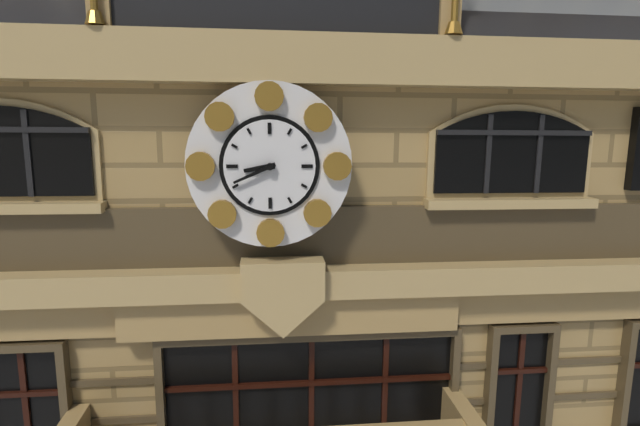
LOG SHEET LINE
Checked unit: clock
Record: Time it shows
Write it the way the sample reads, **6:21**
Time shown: **8:41**
